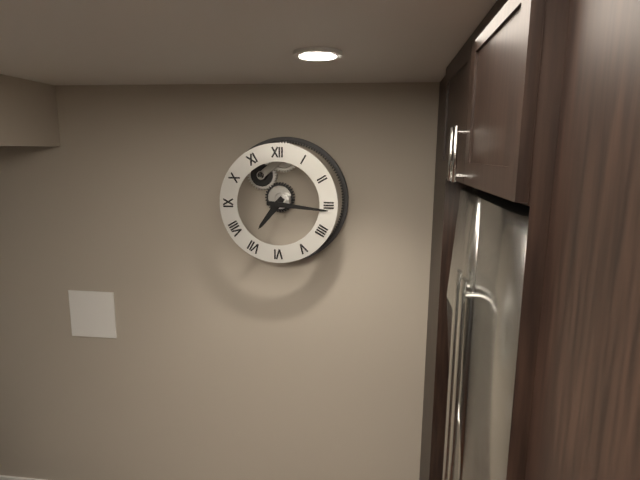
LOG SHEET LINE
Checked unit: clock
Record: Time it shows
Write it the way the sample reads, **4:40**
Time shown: **7:16**
